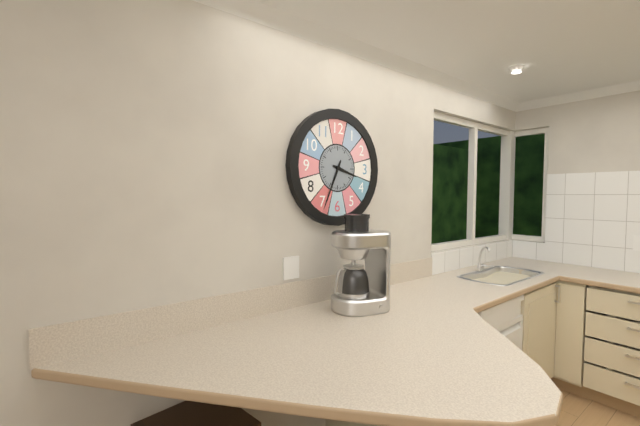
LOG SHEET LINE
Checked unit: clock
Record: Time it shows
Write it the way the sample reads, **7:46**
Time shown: **3:34**
